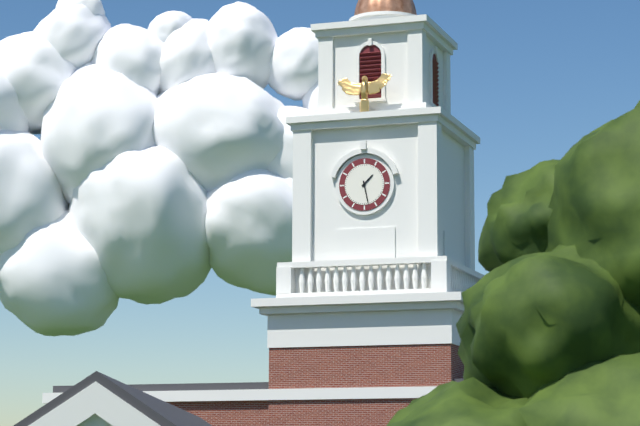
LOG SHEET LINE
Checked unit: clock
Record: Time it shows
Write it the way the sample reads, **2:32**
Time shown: **1:28**
